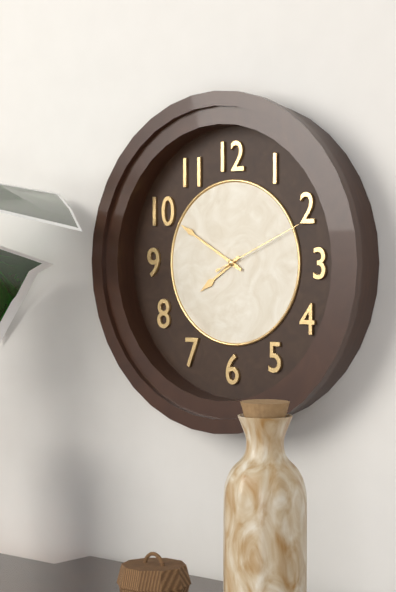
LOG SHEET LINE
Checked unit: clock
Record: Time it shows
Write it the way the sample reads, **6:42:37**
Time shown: **7:50:11**
